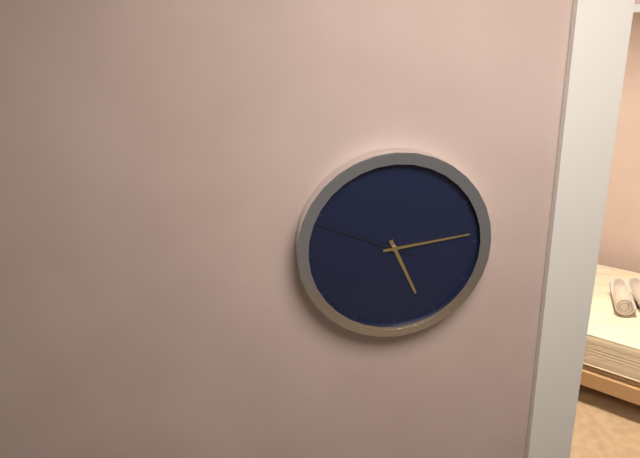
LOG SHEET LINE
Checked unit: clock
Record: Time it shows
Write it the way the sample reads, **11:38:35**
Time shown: **5:14:49**
